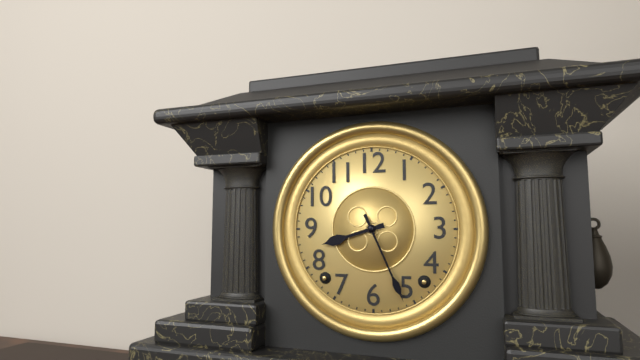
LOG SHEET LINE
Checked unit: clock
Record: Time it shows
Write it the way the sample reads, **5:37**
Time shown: **8:26**
